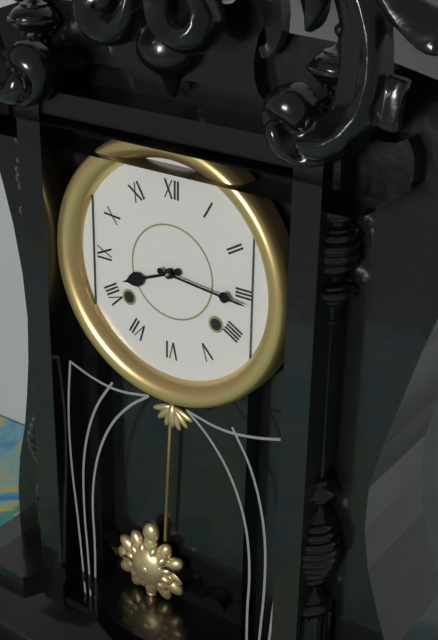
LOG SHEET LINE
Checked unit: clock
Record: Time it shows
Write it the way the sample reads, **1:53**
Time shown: **8:16**
